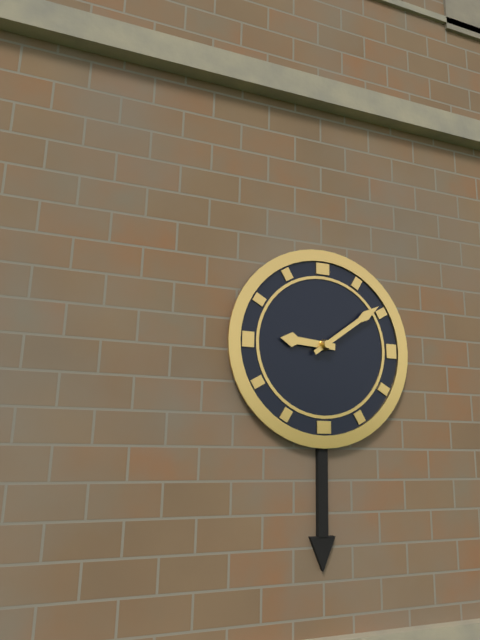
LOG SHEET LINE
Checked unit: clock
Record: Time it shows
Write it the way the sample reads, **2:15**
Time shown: **9:09**
